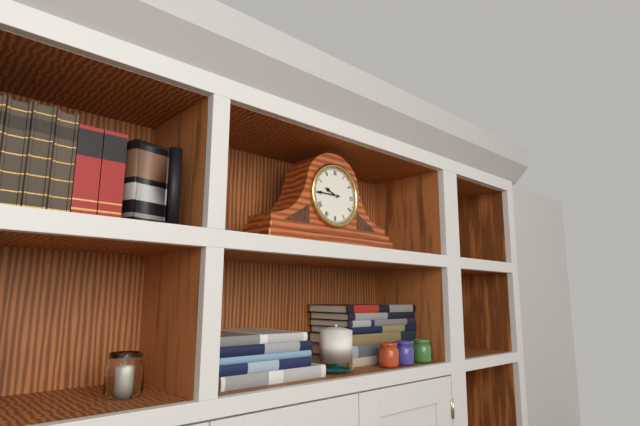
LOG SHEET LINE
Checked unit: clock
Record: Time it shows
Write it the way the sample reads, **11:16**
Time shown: **9:45**
